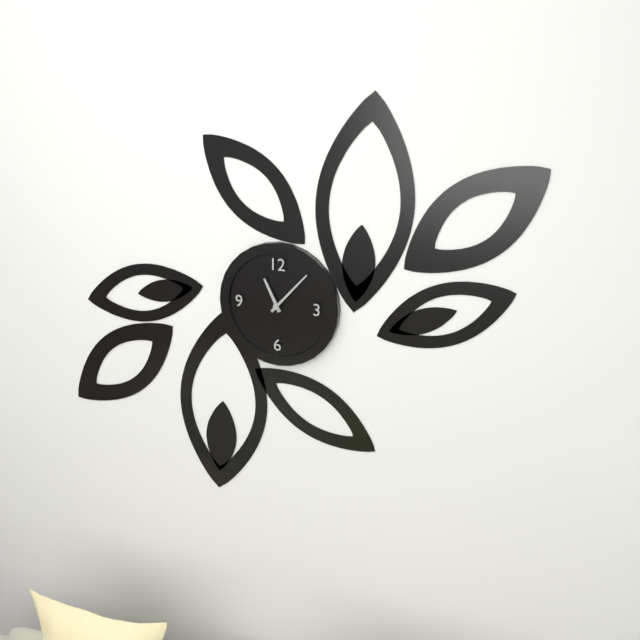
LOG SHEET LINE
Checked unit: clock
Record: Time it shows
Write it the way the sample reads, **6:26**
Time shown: **11:07**
